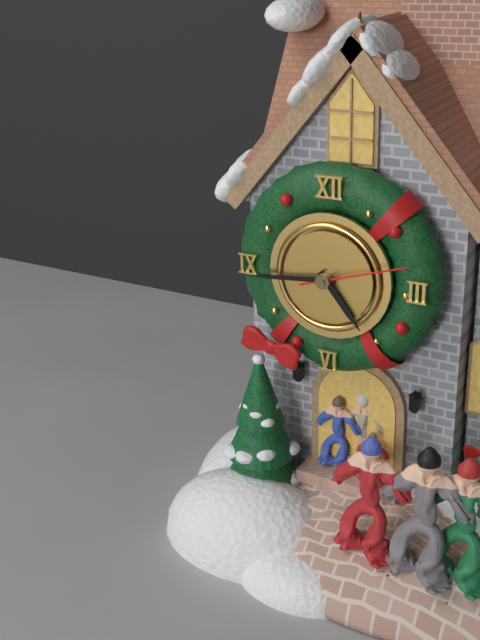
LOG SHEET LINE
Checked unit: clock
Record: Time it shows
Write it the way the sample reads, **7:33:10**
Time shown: **4:44:12**
